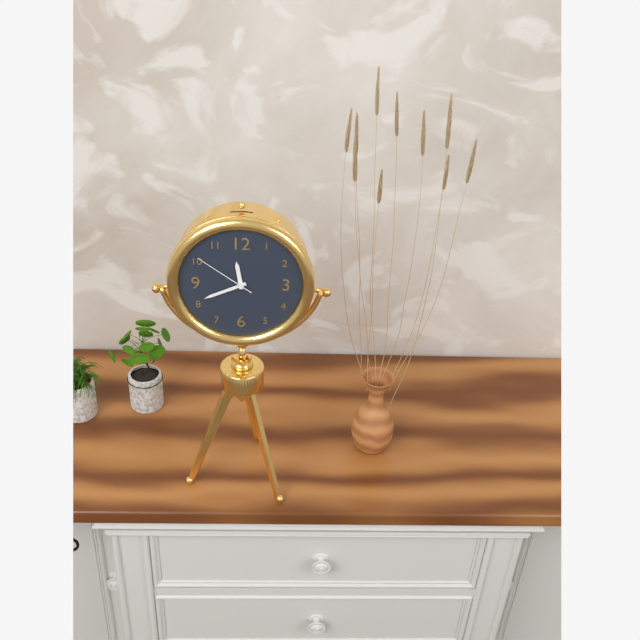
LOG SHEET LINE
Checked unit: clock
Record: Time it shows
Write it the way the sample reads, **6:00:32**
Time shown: **11:41:51**
